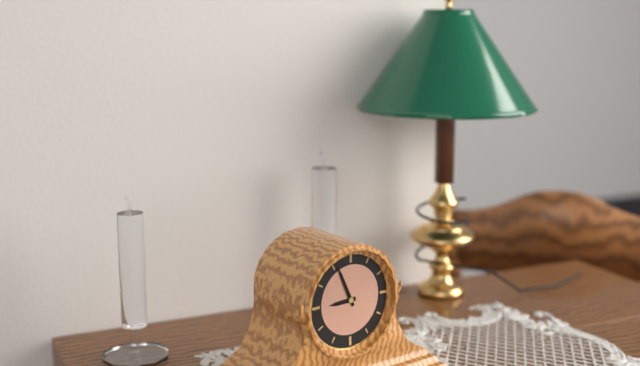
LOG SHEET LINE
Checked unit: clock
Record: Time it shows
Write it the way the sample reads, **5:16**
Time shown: **8:56**
